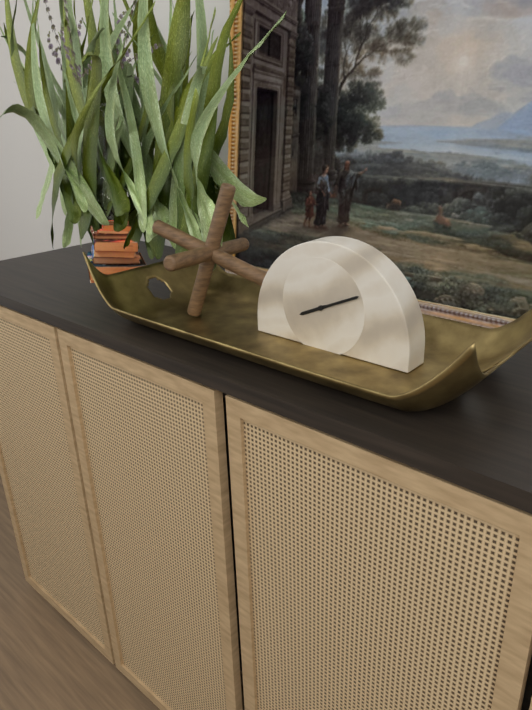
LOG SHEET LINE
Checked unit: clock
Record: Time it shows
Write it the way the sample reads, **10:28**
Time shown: **8:11**
